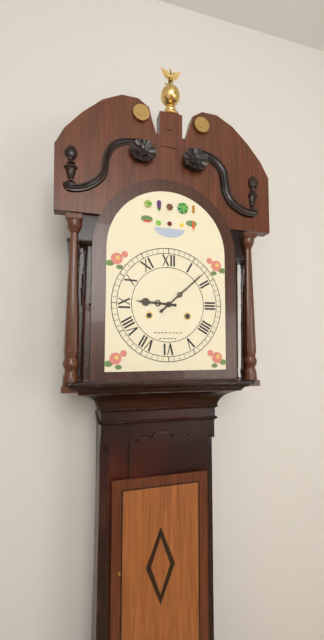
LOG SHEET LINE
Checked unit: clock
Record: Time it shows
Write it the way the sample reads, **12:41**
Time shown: **9:08**
